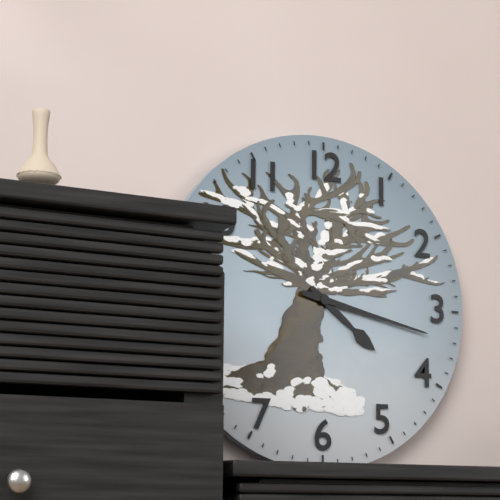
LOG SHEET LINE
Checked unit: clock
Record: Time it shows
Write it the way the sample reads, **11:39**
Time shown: **4:17**
